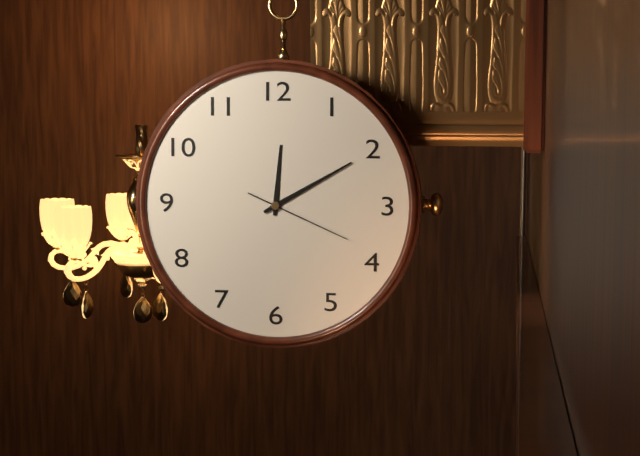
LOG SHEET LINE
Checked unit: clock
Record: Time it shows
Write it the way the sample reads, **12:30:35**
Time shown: **12:10:19**
